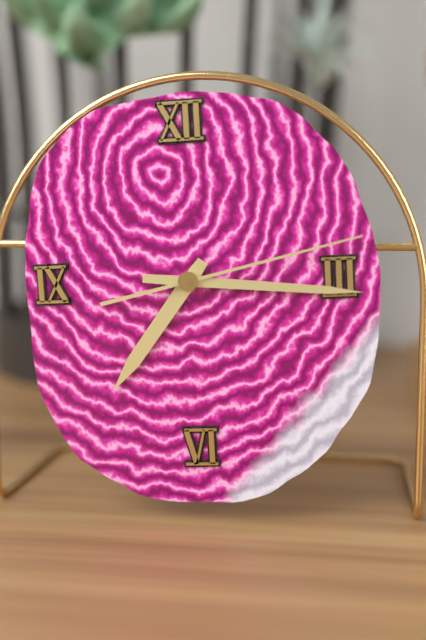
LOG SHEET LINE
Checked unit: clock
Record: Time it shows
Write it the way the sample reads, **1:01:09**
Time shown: **7:16:13**
